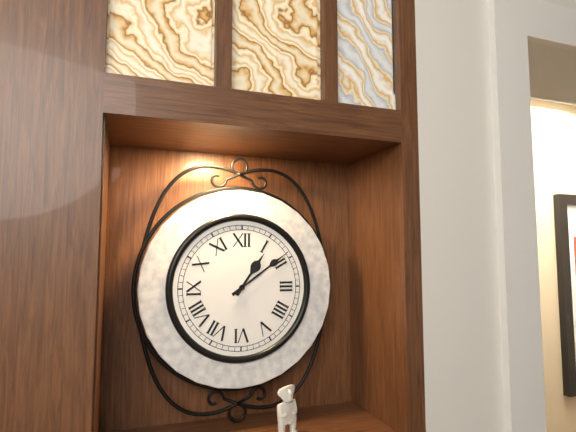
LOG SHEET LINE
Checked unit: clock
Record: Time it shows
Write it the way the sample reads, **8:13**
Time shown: **1:09**
